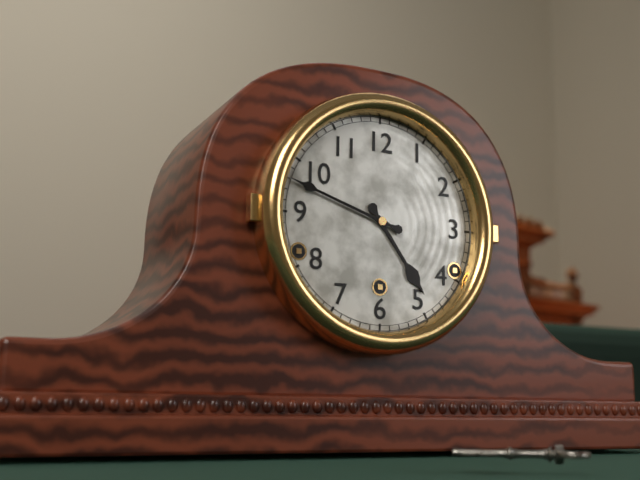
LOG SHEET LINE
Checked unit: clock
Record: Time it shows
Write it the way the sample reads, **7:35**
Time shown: **4:48**
